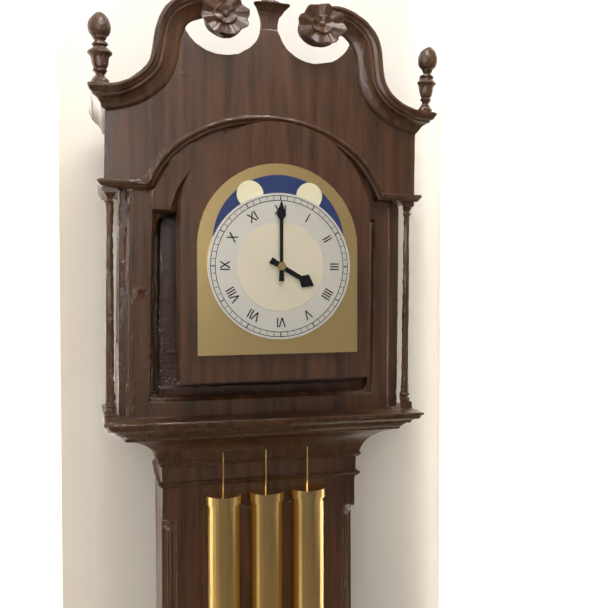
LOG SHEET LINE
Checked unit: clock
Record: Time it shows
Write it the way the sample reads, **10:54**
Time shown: **4:00**
